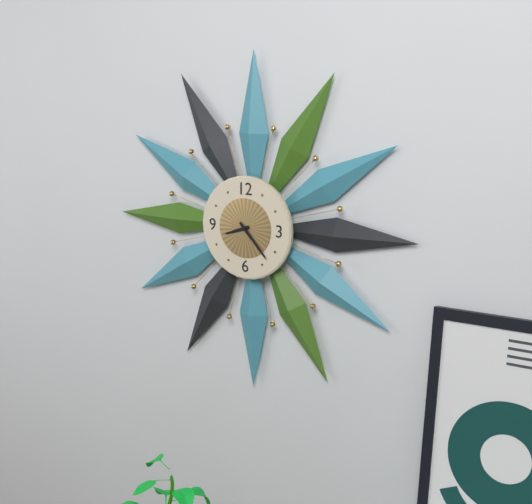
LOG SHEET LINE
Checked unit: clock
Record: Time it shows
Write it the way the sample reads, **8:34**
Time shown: **8:23**
